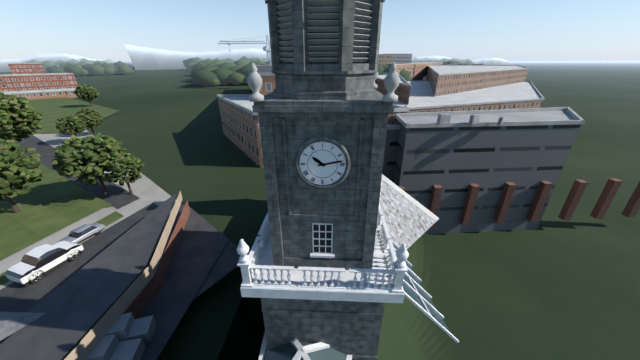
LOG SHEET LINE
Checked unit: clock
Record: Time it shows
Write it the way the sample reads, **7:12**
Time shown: **10:13**
